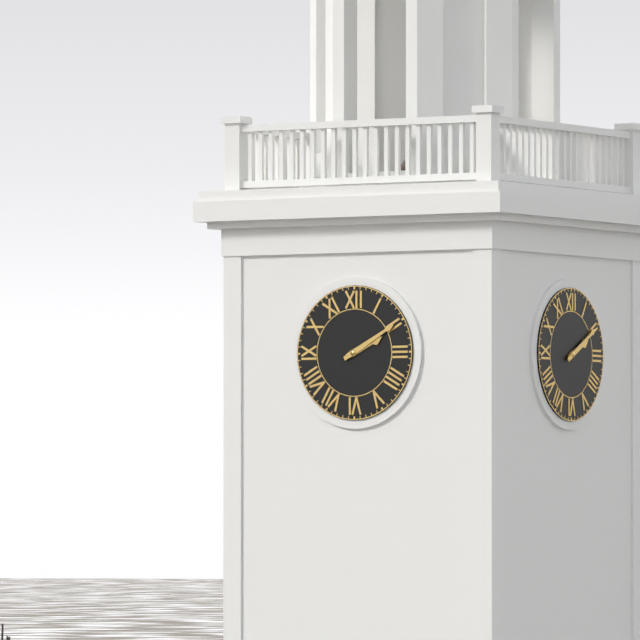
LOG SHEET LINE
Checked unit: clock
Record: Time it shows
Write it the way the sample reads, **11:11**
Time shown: **2:10**
